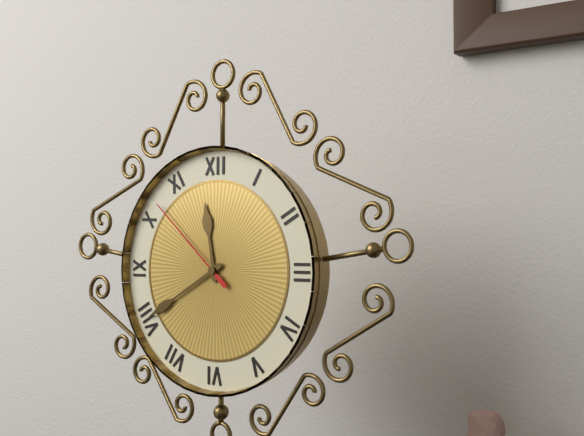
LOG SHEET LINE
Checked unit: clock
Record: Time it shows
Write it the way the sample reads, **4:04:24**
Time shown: **11:40:52**
